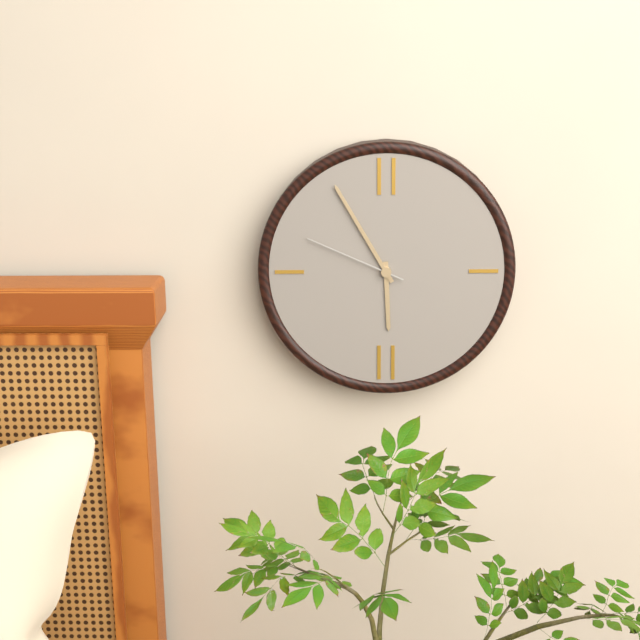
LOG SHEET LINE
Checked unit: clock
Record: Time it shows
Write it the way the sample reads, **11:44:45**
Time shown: **5:55:49**
